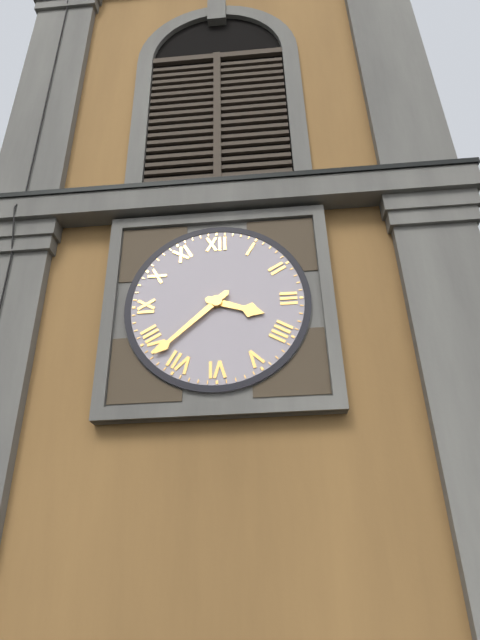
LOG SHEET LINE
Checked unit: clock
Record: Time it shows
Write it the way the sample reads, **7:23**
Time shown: **3:38**
